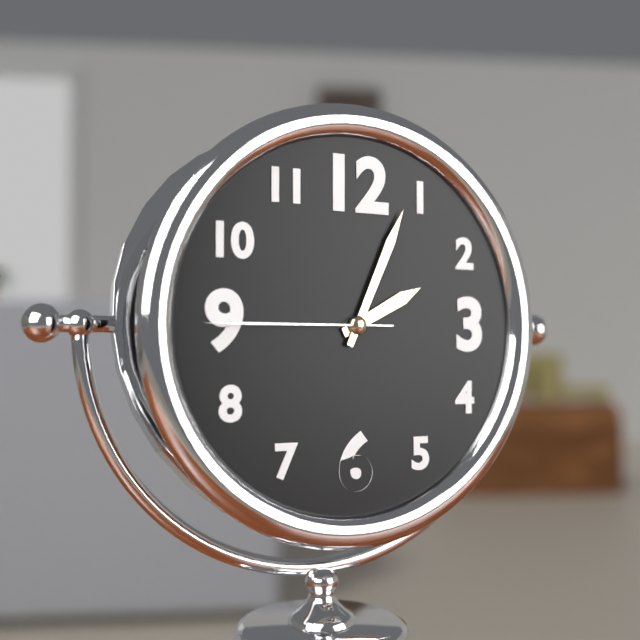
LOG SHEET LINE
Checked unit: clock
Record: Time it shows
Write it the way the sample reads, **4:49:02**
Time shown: **2:04:45**
